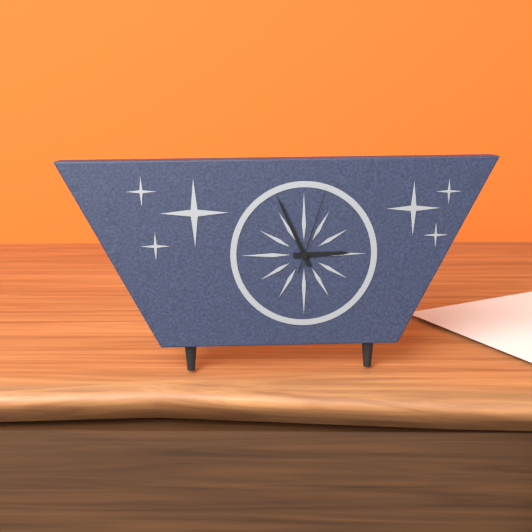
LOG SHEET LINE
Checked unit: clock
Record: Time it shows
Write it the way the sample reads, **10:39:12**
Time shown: **2:56:03**
